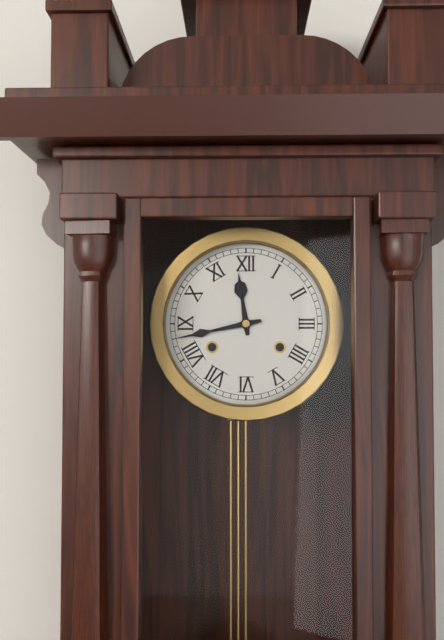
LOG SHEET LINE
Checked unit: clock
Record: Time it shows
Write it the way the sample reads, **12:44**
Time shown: **11:43**
